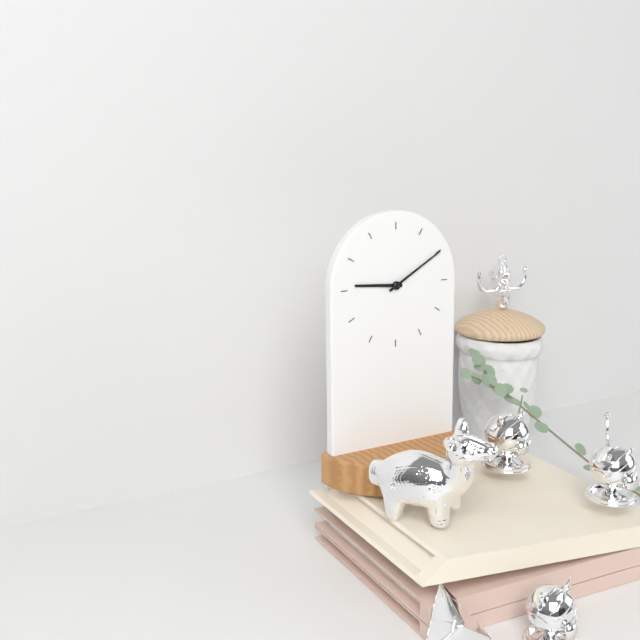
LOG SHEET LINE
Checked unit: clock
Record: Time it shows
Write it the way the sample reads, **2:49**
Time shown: **9:10**
